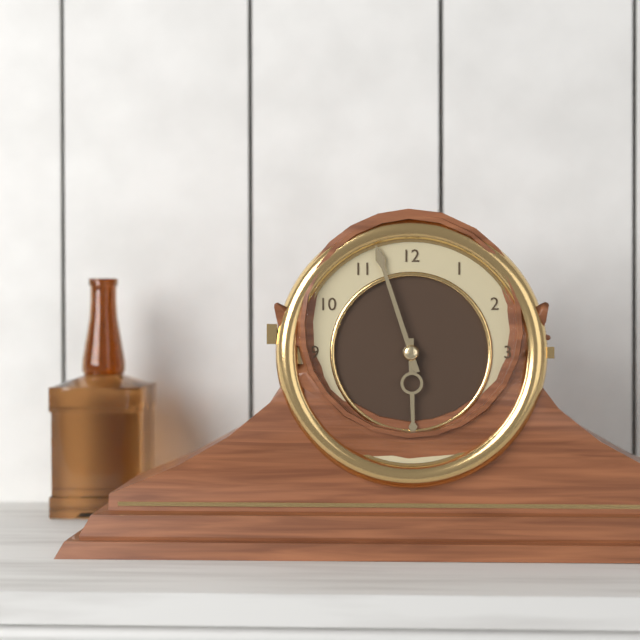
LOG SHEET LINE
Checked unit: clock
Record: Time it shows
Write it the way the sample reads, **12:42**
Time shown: **5:57**
